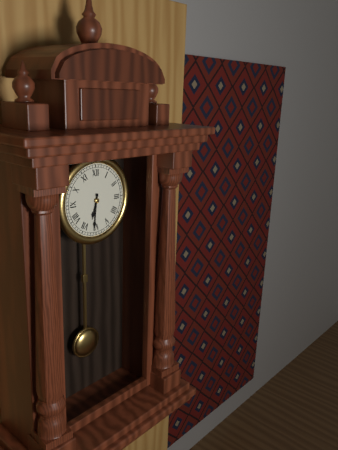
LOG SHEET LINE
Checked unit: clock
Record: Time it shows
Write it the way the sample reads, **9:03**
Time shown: **6:31**
